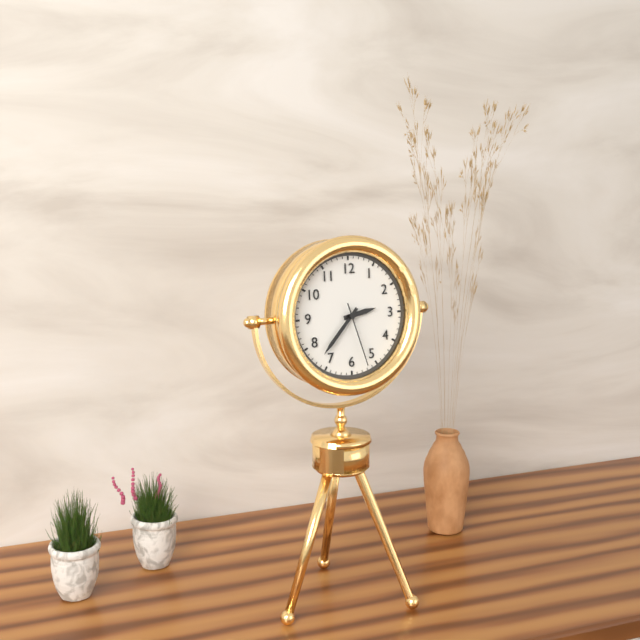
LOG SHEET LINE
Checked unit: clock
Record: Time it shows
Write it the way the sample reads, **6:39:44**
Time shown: **2:37:27**
